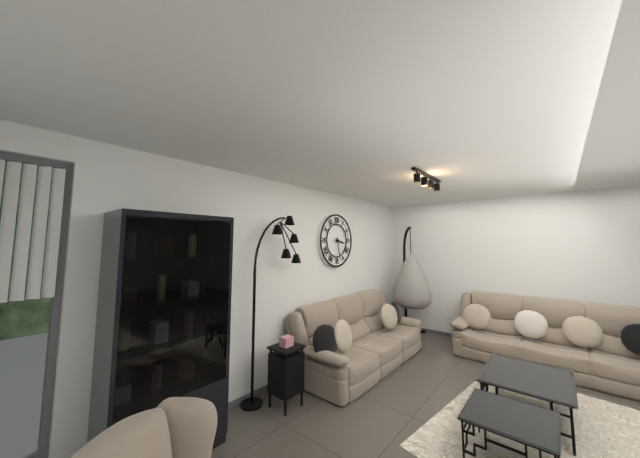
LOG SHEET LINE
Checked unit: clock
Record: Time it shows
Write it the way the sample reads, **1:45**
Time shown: **3:28**
